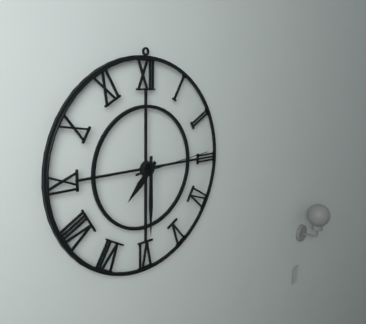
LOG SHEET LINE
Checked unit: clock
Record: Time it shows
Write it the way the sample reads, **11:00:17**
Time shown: **7:30:14**
